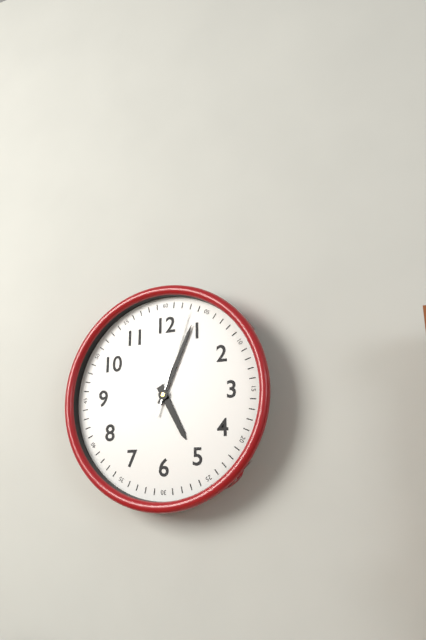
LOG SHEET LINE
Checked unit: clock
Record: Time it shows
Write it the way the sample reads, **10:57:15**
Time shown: **5:04:03**
